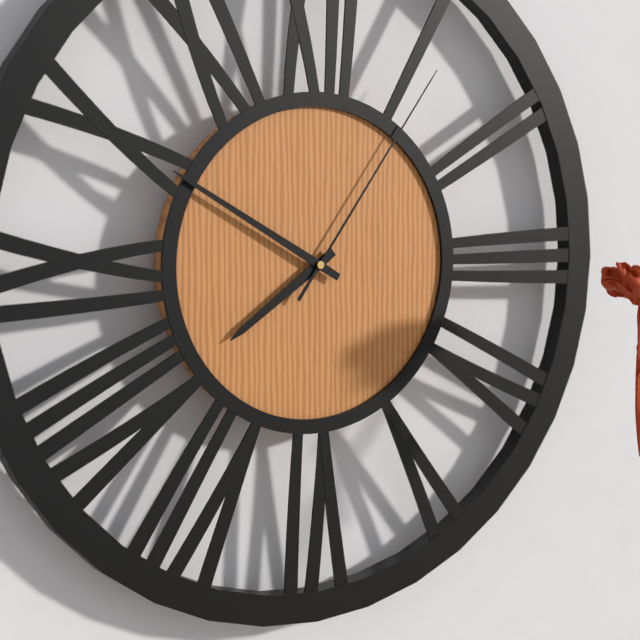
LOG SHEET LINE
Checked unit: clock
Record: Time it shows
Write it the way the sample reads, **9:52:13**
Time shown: **7:50:06**
